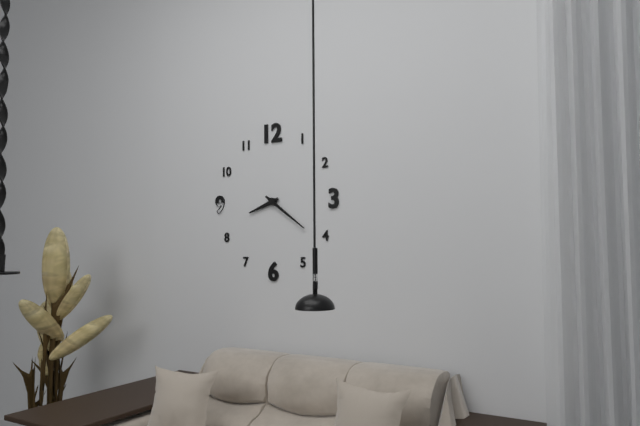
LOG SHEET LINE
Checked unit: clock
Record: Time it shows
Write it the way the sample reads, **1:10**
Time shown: **8:21**
